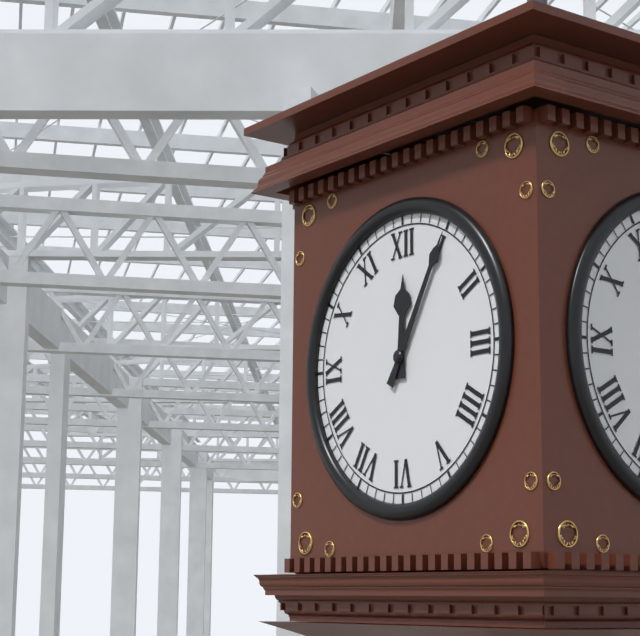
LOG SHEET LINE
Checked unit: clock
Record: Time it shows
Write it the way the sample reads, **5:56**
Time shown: **12:05**
